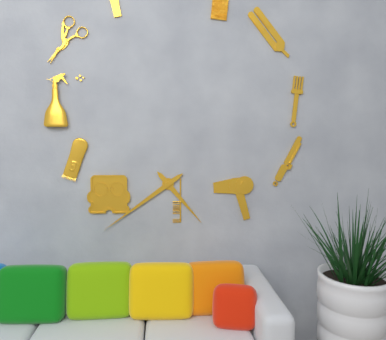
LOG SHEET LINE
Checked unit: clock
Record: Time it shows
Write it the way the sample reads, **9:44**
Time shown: **4:39**
